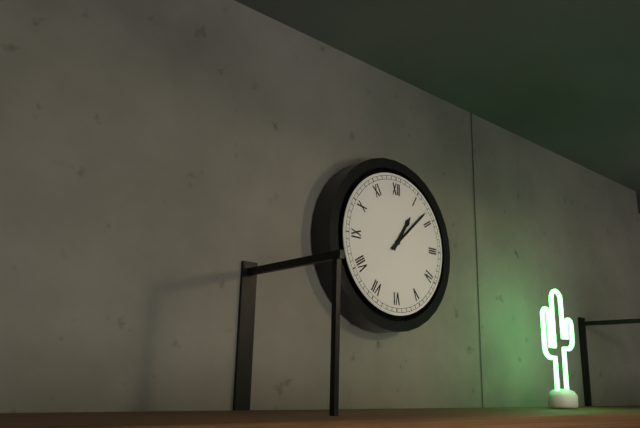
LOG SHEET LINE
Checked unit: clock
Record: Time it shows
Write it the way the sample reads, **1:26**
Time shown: **1:08**
